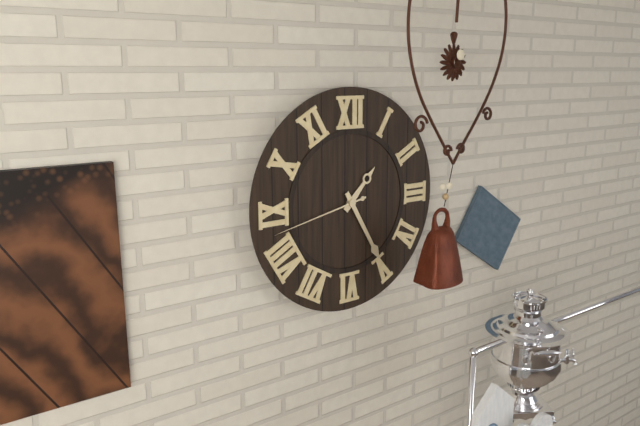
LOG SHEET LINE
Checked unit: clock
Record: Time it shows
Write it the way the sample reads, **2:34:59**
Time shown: **1:25:43**
